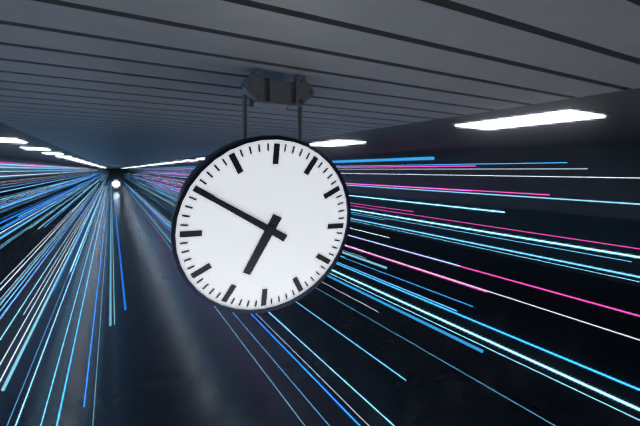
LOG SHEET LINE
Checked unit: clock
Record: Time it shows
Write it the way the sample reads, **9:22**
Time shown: **6:50**
